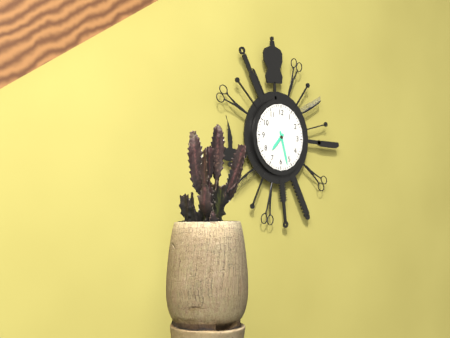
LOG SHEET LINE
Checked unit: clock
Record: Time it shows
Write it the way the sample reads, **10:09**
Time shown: **7:27**
